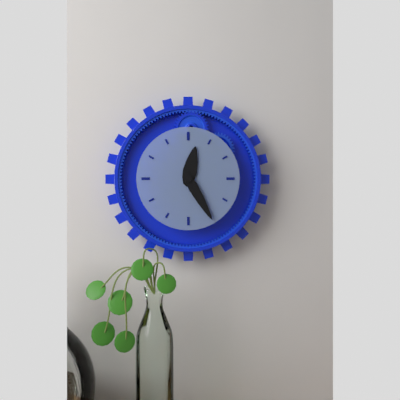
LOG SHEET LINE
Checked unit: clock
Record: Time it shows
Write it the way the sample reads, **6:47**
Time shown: **12:25**
